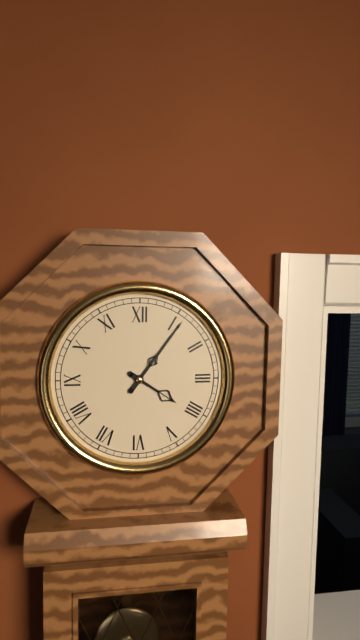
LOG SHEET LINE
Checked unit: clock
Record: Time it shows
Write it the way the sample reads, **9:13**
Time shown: **4:06**
